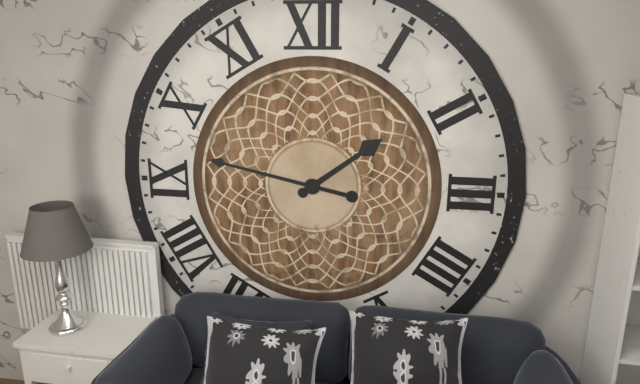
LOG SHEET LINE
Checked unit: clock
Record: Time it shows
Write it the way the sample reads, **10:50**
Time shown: **1:47**
